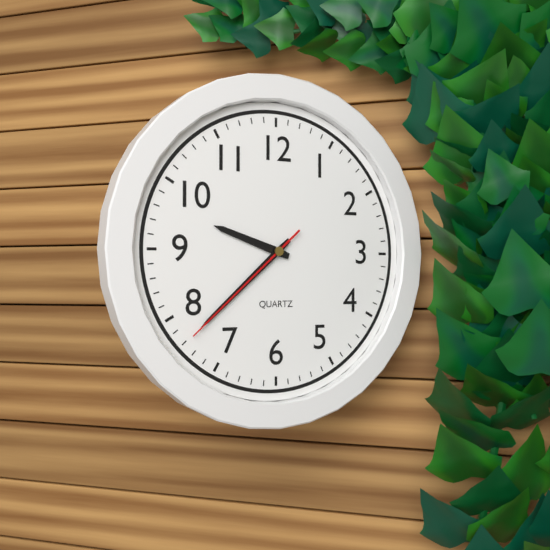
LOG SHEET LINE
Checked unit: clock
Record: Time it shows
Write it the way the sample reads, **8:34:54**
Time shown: **9:38:38**
